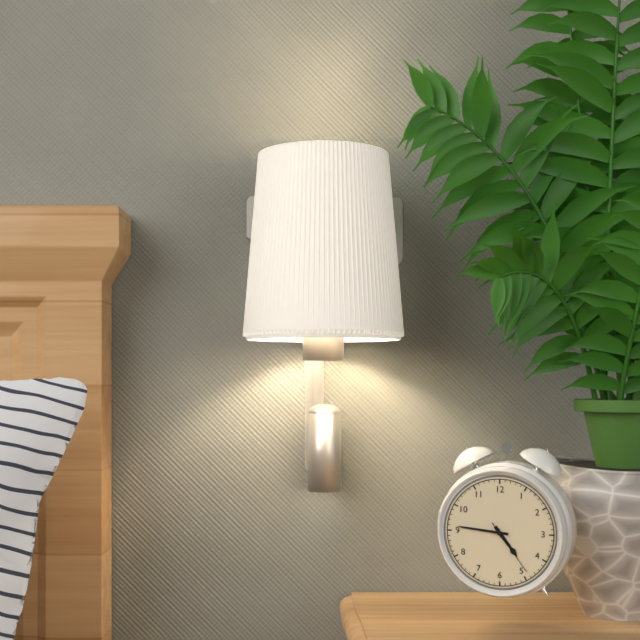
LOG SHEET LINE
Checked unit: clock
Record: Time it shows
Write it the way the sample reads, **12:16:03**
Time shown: **4:46:24**
